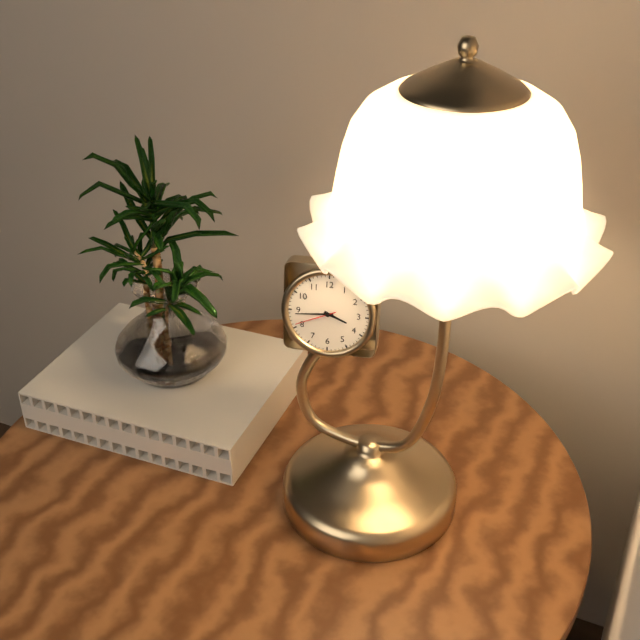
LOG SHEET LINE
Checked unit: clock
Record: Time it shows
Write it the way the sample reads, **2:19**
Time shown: **3:44**
